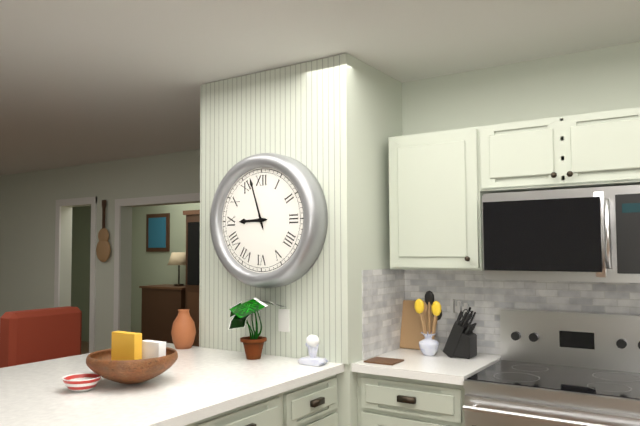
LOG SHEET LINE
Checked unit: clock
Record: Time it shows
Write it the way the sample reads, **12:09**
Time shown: **8:57**
